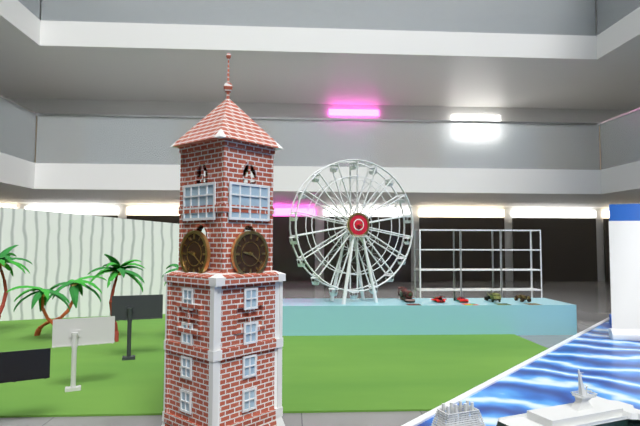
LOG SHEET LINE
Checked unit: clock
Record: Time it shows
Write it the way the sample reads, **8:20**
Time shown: **9:21**
